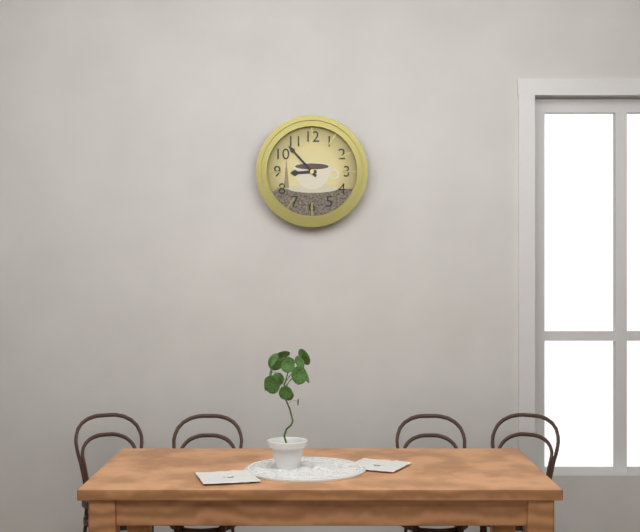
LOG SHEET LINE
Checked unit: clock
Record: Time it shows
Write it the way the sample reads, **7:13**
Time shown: **8:53**
